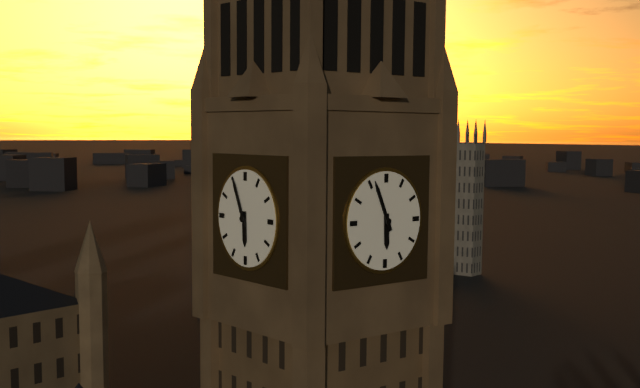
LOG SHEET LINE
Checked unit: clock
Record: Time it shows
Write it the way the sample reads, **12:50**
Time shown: **5:56**
